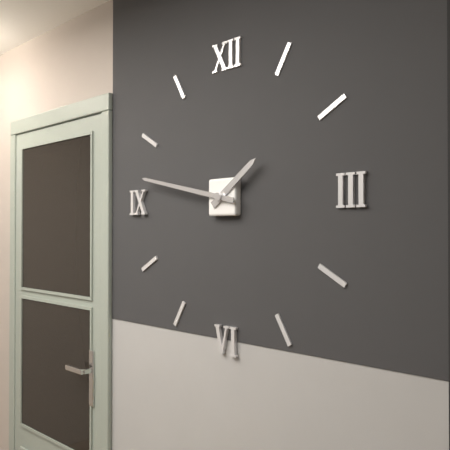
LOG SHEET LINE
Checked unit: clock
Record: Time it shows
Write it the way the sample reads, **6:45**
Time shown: **1:47**
